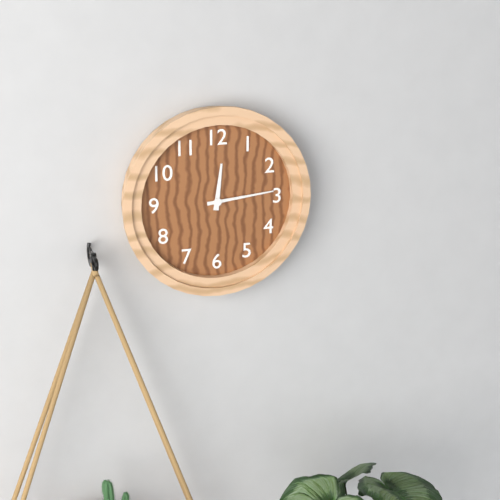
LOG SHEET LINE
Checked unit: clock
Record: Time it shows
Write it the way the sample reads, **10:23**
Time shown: **12:14**
